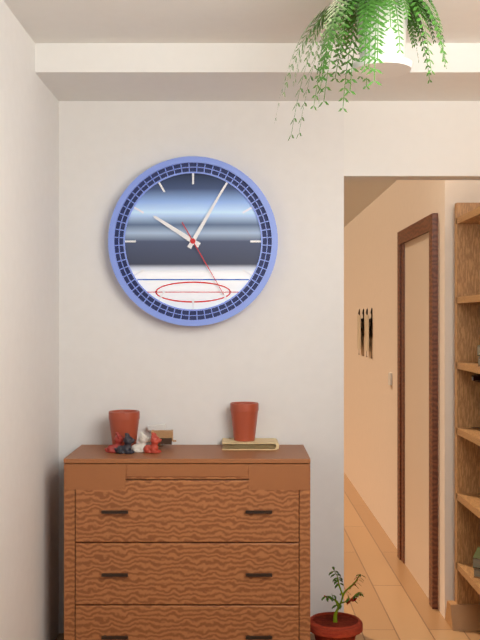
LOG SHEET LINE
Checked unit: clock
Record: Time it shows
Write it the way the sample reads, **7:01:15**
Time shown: **10:05:25**
